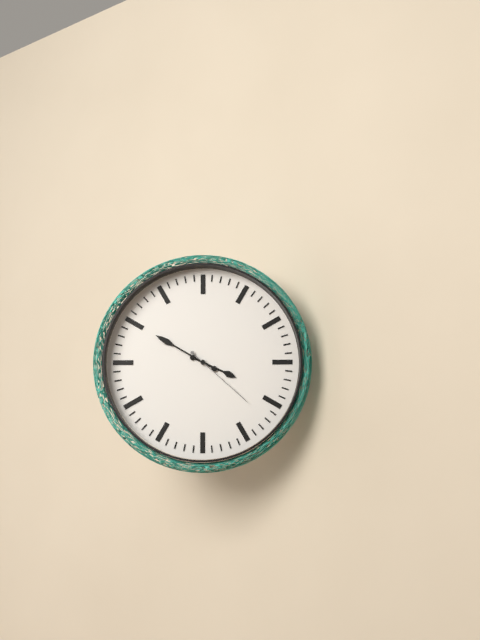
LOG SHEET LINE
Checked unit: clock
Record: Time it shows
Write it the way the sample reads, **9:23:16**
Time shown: **3:50:22**
